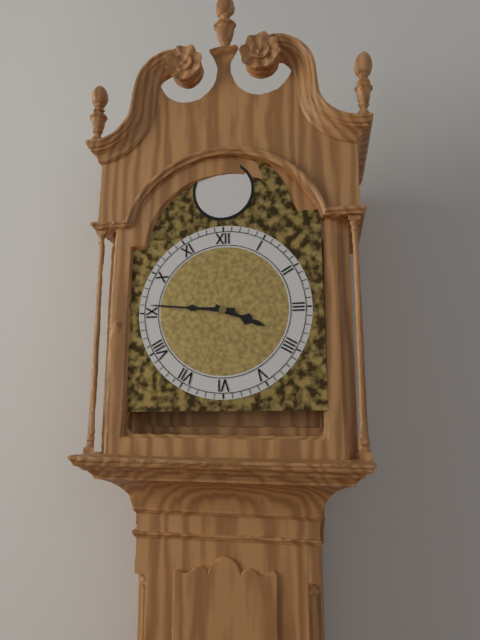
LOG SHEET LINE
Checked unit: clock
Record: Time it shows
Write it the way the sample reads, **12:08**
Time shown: **3:46**
